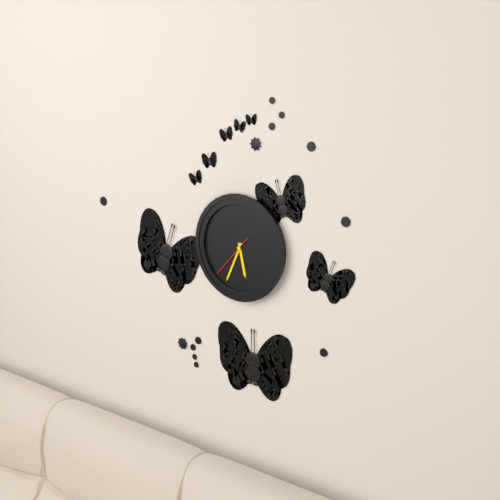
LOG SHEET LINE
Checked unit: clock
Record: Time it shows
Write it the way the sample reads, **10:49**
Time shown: **5:34**
